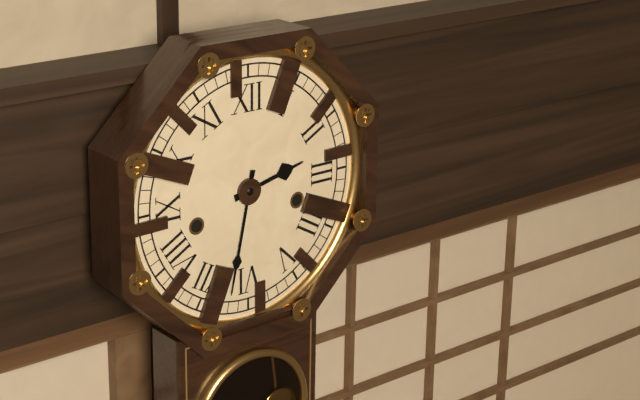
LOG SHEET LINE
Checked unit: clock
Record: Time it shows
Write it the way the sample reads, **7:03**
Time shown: **2:32**
